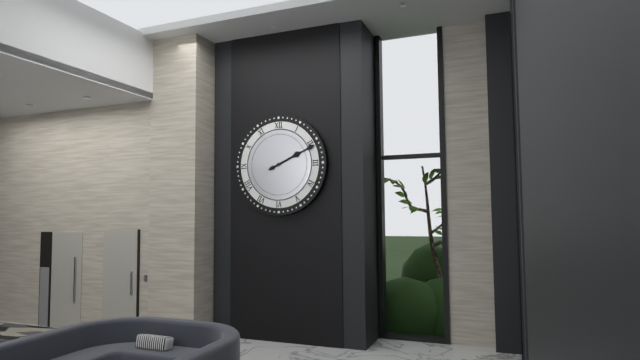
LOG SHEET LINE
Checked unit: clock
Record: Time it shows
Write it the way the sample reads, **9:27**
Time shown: **2:11**
